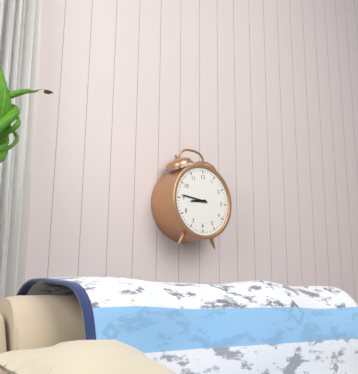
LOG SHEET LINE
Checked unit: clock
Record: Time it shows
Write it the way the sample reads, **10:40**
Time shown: **8:46**
